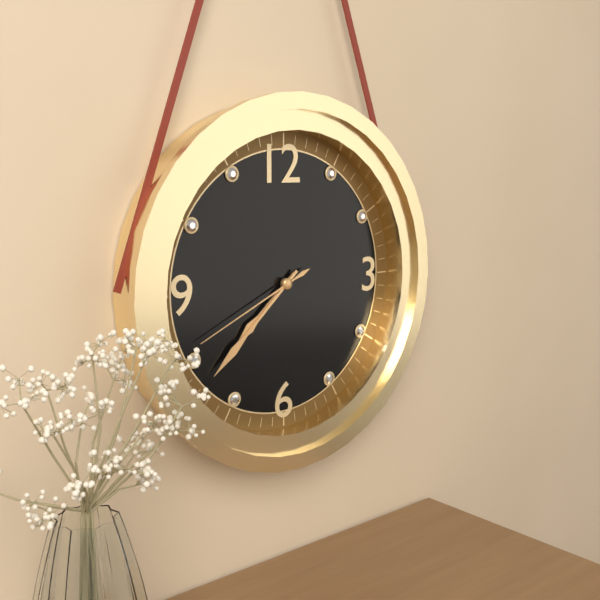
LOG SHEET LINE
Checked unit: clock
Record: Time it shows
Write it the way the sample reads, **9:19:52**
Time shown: **7:38:41**
